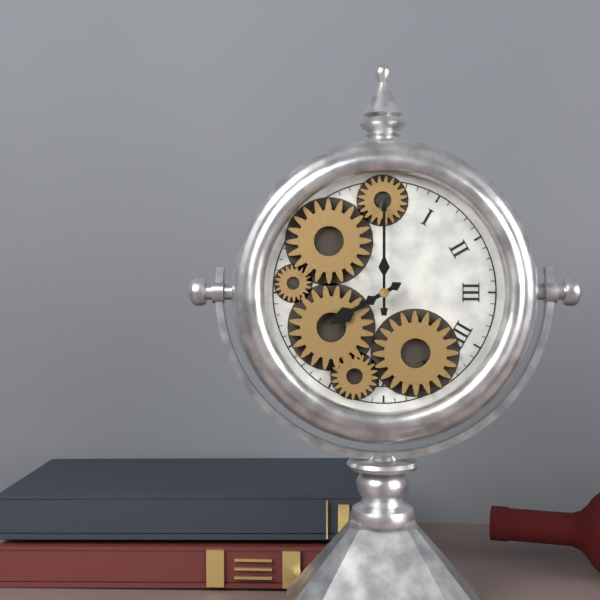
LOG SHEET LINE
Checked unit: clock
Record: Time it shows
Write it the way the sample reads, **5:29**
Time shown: **8:00**
